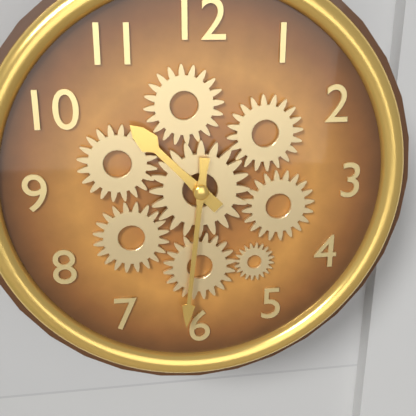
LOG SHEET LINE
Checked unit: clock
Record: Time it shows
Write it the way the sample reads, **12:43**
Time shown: **10:31**
